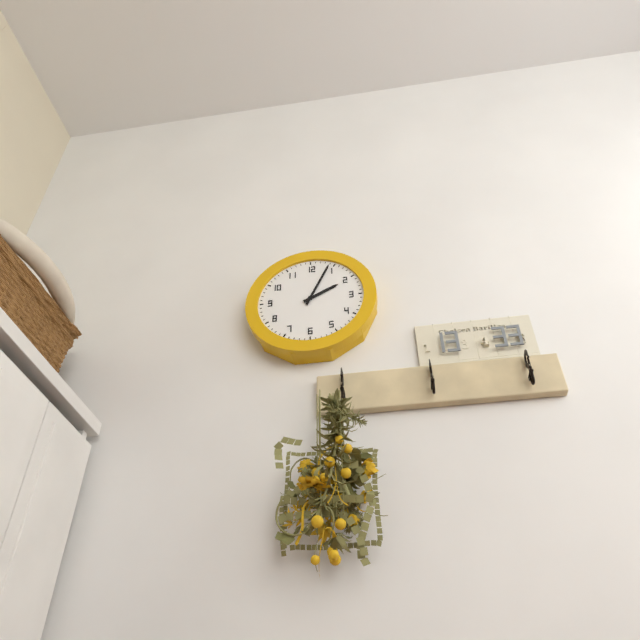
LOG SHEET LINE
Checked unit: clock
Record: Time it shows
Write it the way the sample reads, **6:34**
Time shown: **2:04**
